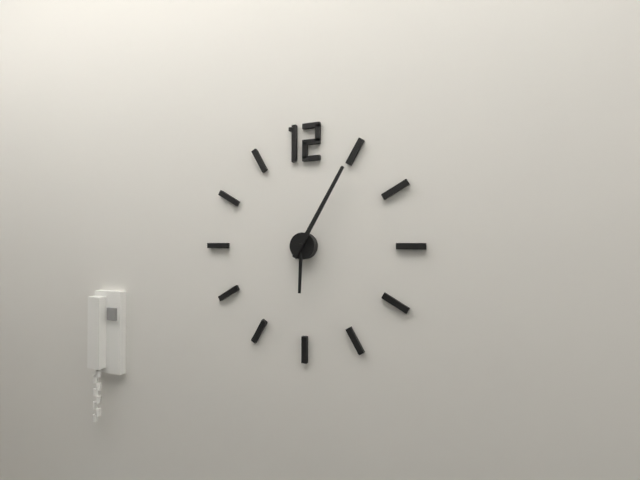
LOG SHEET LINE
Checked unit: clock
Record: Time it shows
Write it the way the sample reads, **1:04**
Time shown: **6:05**
